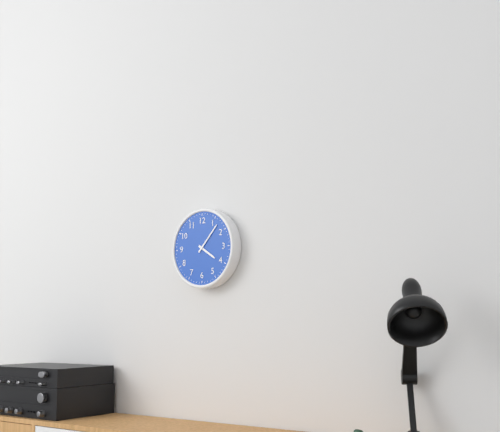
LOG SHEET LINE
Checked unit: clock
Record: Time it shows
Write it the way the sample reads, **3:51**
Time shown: **4:07**
